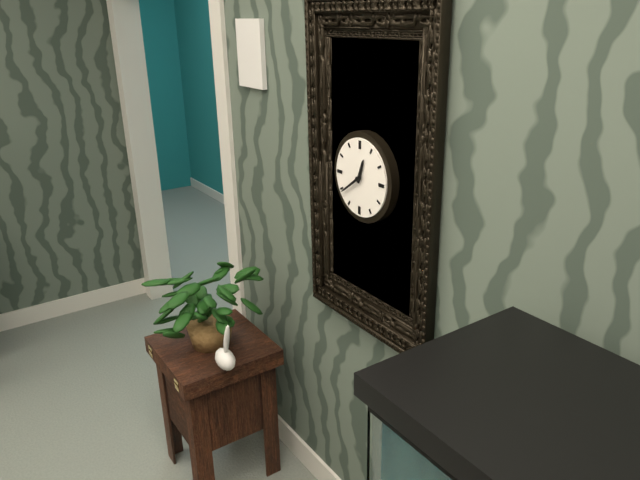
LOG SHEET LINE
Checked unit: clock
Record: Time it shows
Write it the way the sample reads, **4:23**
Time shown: **12:39**
